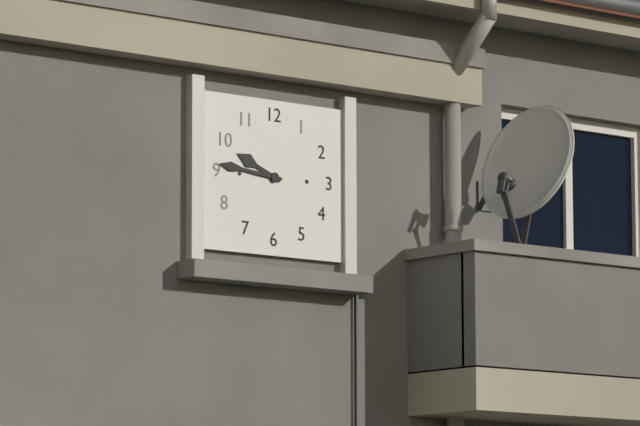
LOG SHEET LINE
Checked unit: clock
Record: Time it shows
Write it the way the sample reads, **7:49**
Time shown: **9:46**
